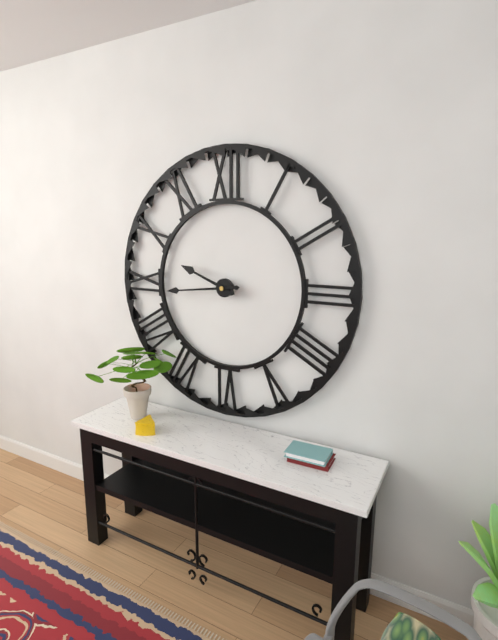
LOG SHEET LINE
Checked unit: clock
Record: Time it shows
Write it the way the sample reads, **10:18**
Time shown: **9:44**
